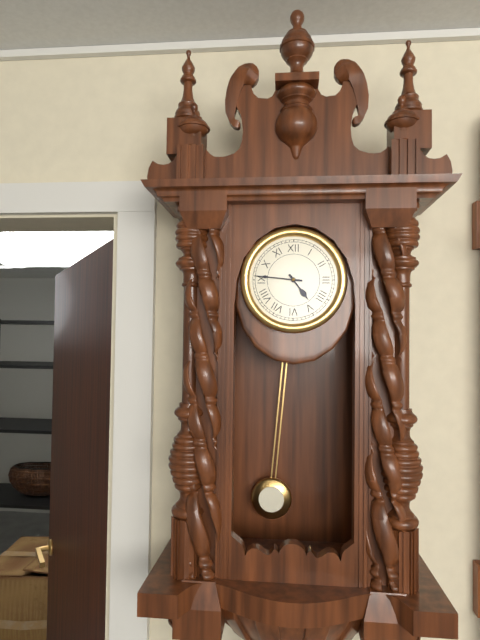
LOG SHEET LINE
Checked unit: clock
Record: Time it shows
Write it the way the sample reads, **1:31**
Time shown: **4:46**
